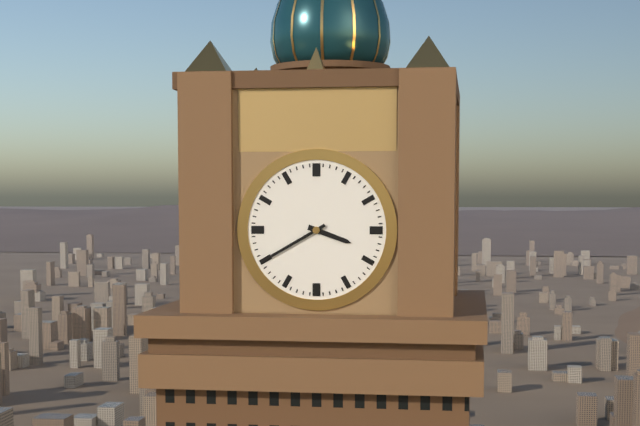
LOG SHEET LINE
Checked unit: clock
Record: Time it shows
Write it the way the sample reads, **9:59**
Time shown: **3:40**
